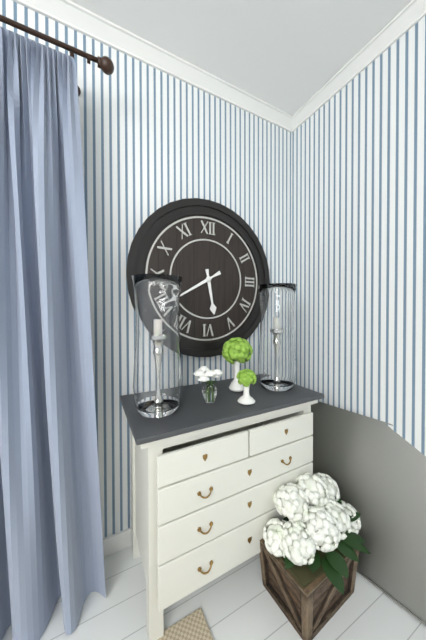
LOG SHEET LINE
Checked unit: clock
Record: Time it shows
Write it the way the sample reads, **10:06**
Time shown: **5:40**
